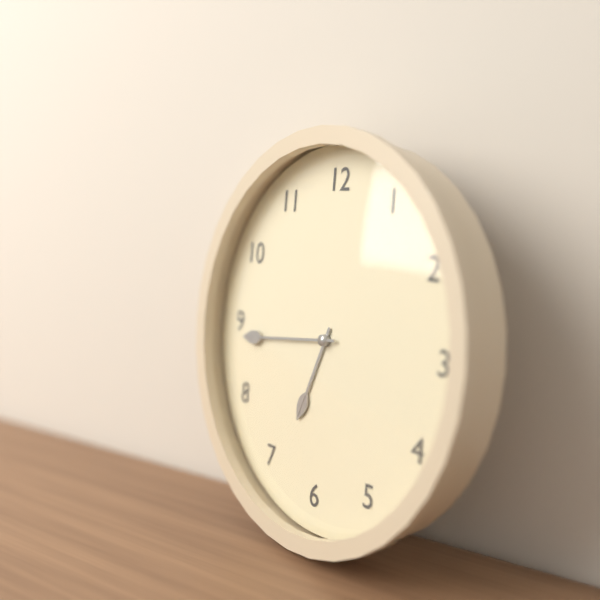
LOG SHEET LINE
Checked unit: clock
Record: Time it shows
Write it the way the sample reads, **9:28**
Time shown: **6:44**
